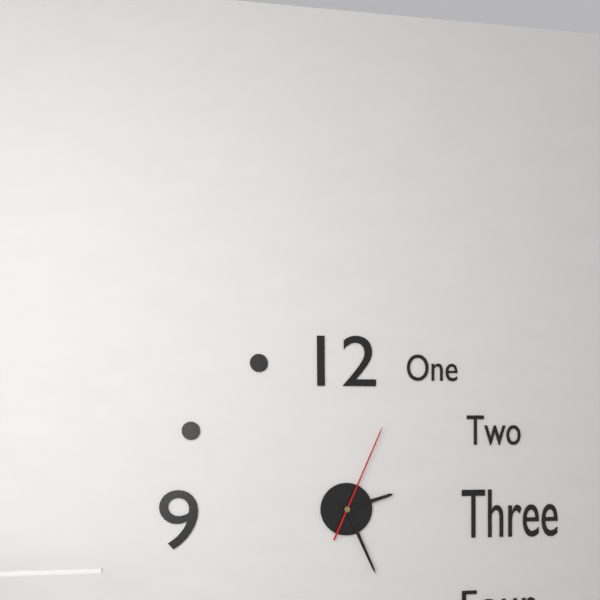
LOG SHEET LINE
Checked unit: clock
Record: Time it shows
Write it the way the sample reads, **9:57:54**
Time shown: **2:26:04**
